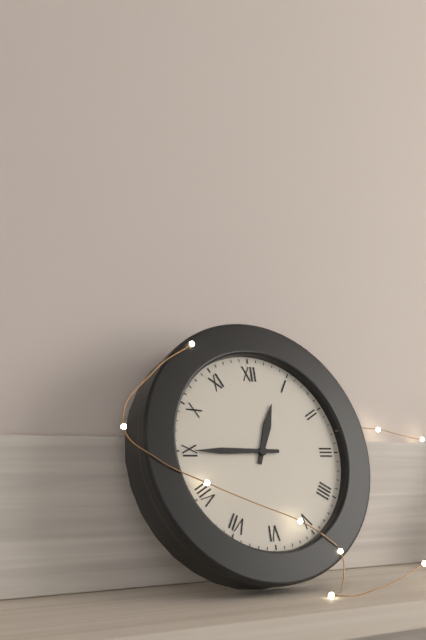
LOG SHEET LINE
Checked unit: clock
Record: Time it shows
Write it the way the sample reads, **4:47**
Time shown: **12:45**
